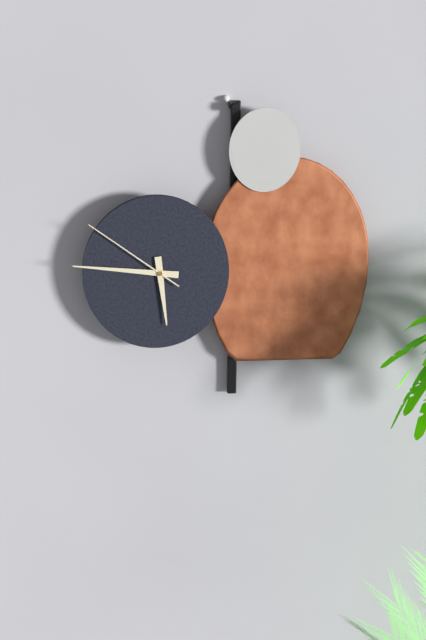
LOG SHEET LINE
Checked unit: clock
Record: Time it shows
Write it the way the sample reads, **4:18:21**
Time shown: **5:46:51**
